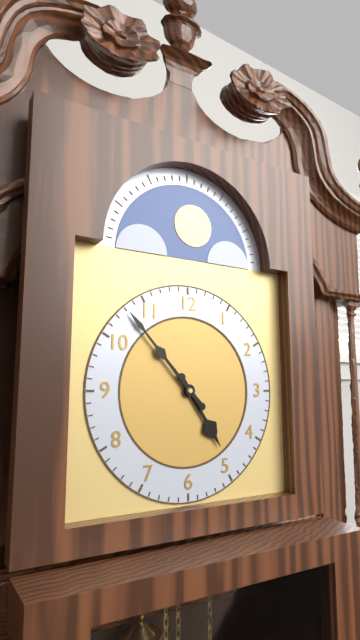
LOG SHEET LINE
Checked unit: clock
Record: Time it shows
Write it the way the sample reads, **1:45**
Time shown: **4:53**
